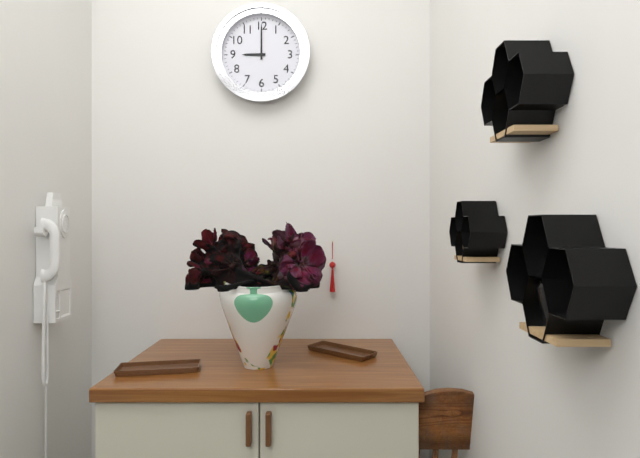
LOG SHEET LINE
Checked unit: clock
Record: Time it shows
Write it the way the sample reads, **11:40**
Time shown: **9:00**
